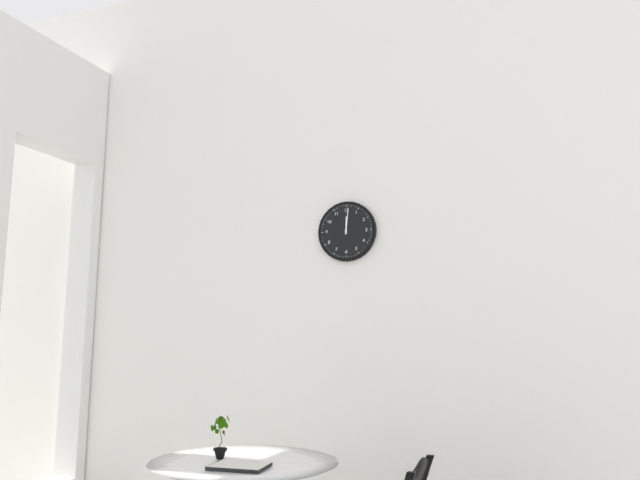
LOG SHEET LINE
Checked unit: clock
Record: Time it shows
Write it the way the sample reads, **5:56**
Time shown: **12:01**
